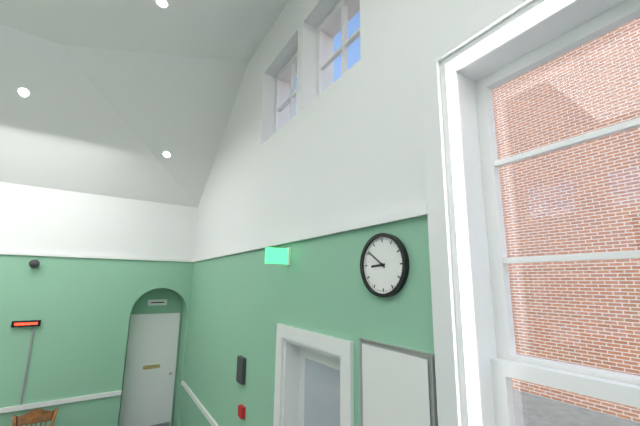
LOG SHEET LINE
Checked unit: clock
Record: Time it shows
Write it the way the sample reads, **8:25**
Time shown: **8:51**
